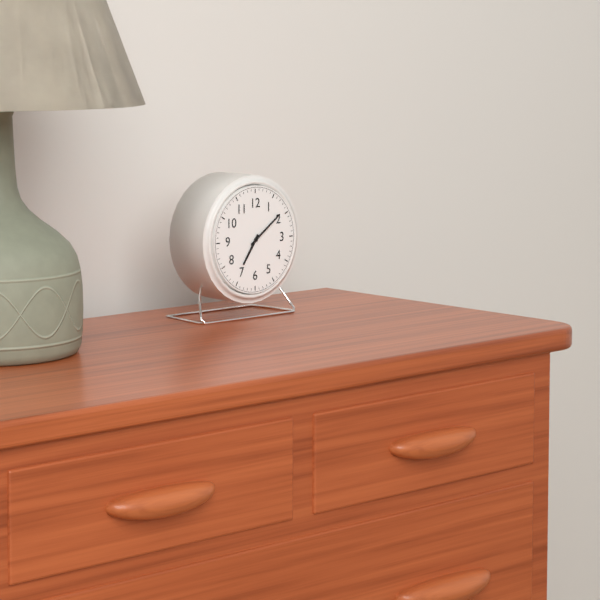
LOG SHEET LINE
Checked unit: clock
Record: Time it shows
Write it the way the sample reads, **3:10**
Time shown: **7:09**
